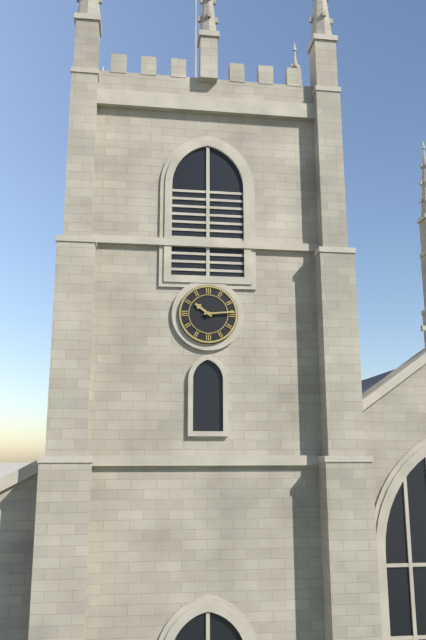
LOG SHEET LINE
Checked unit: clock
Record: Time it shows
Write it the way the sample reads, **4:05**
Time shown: **10:14**
